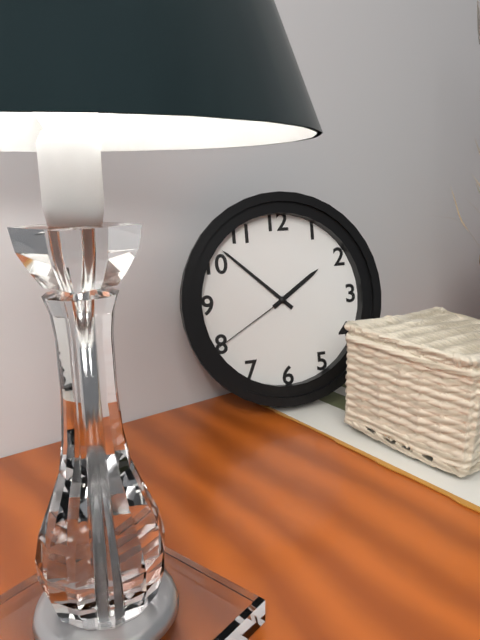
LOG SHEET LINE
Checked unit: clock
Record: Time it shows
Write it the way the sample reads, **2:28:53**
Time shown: **1:52:40**
